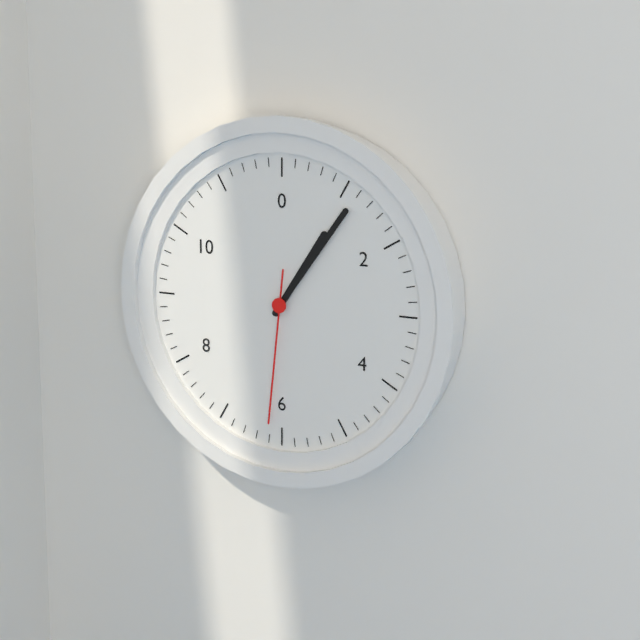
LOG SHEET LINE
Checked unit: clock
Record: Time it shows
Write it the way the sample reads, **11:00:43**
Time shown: **1:06:31**
